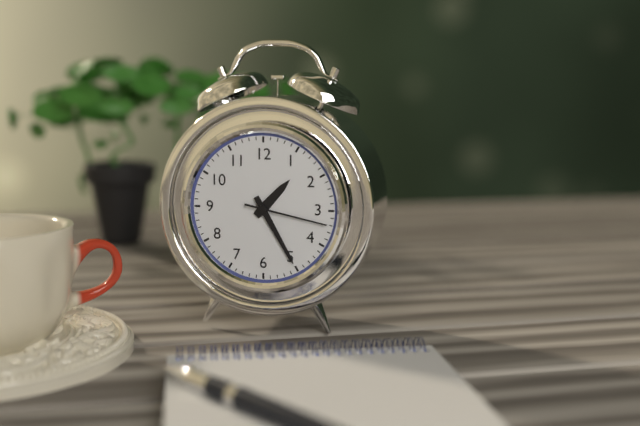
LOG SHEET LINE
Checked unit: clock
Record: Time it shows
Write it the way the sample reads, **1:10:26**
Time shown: **1:25:17**
